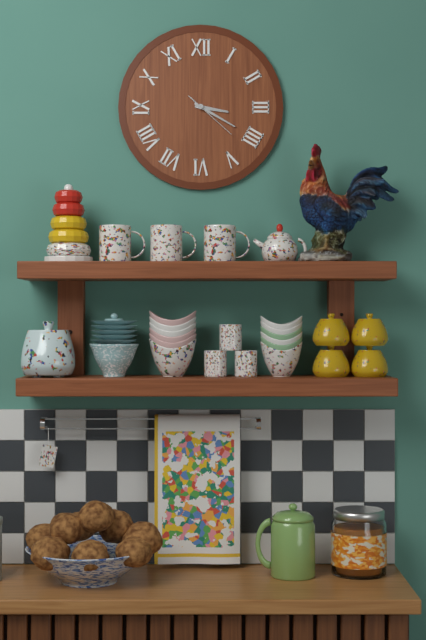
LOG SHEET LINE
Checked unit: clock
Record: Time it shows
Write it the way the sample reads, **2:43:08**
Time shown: **3:20:22**
